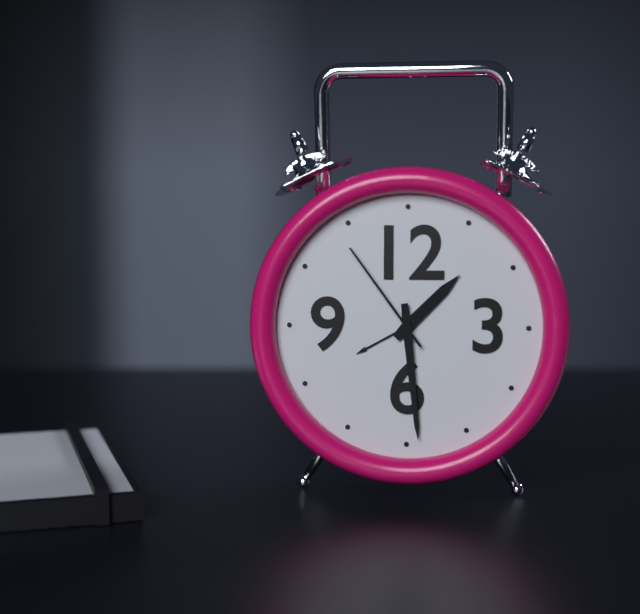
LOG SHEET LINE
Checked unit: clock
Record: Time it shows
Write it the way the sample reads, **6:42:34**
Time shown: **1:29:54**
